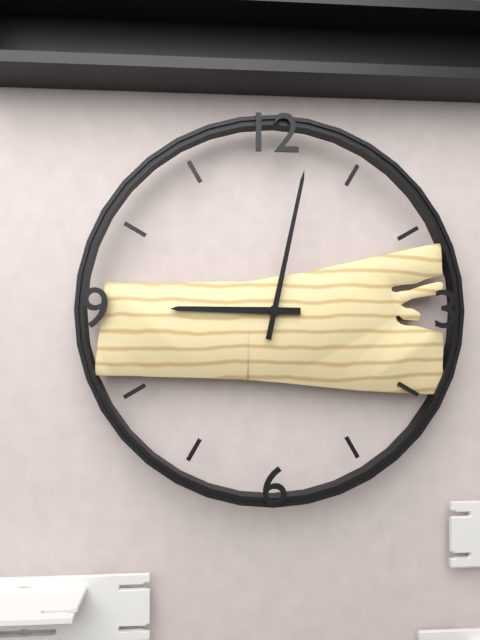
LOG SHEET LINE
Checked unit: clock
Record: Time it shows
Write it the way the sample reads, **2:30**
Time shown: **9:02**
